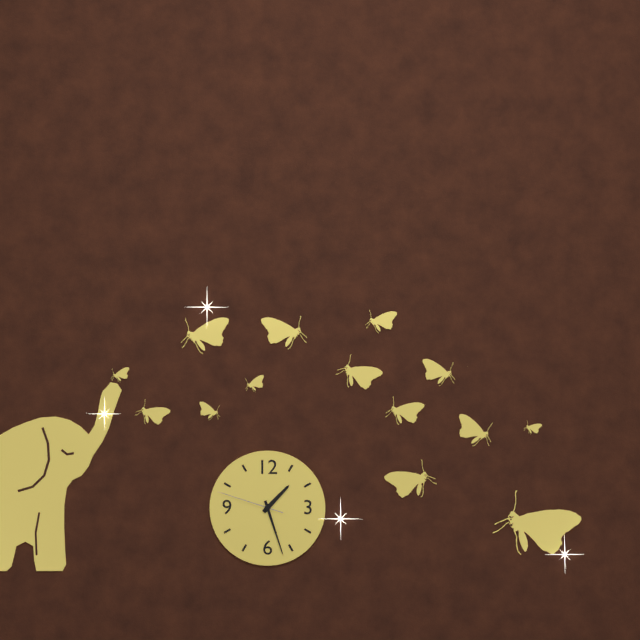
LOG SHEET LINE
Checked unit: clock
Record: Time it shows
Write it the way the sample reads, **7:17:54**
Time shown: **1:27:48**
